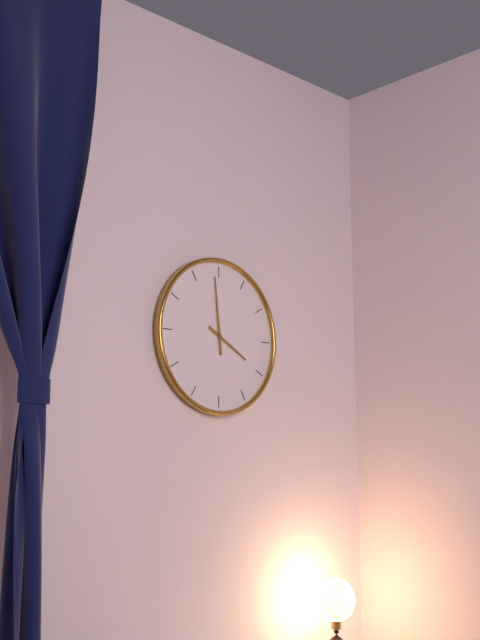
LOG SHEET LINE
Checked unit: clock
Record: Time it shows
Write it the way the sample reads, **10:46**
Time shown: **3:59**
